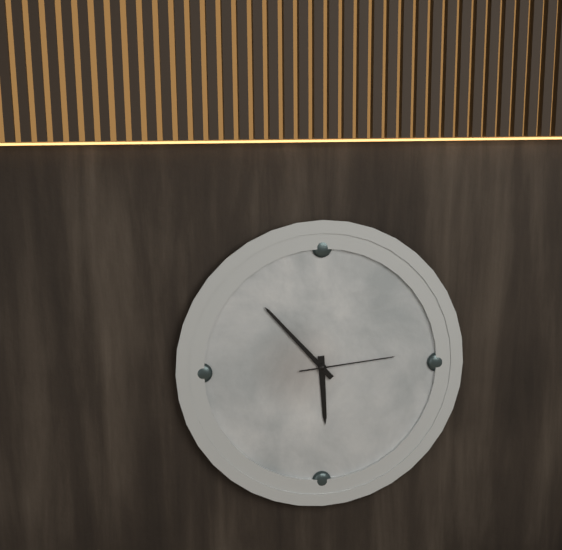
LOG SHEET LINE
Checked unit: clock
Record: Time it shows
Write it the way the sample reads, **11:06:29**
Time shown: **5:53:14**
